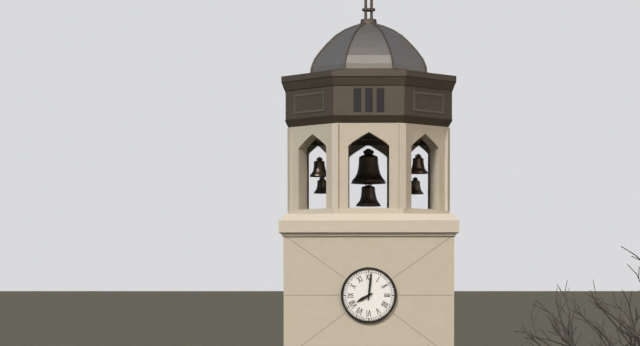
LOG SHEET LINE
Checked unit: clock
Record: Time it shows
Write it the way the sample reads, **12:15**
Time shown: **8:01**
